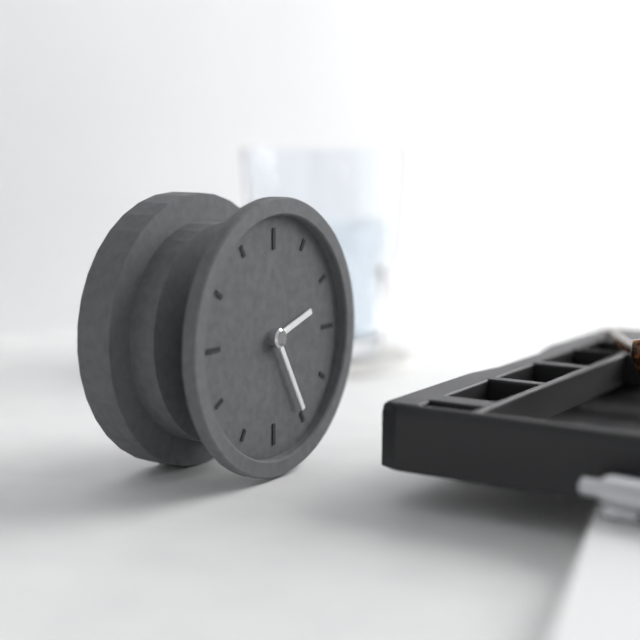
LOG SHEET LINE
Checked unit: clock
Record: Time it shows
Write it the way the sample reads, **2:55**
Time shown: **2:25**
